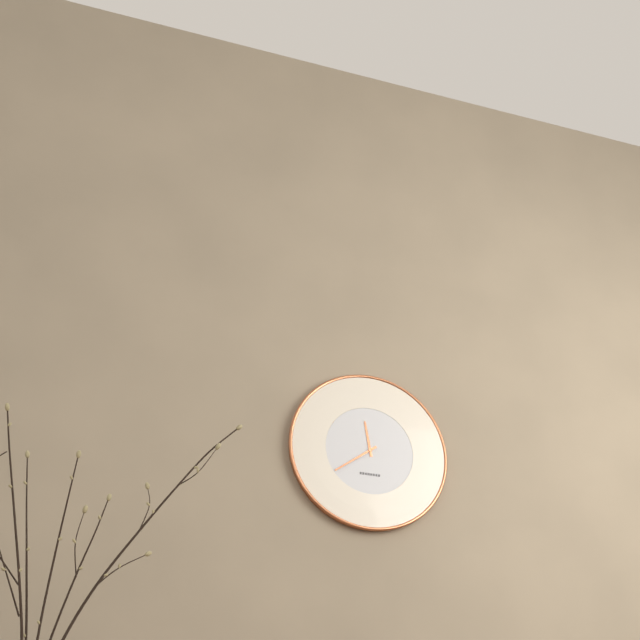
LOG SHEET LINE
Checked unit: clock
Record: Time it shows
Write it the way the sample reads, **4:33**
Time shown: **11:39**
